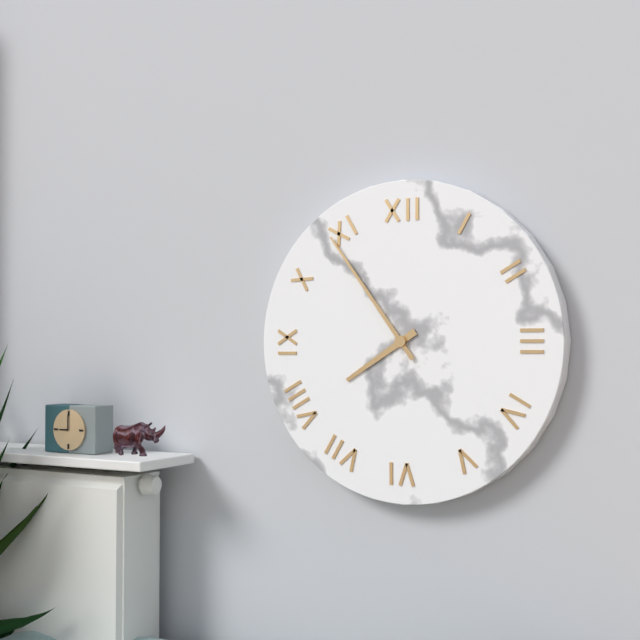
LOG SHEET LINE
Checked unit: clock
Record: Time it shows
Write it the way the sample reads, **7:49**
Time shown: **7:54**
